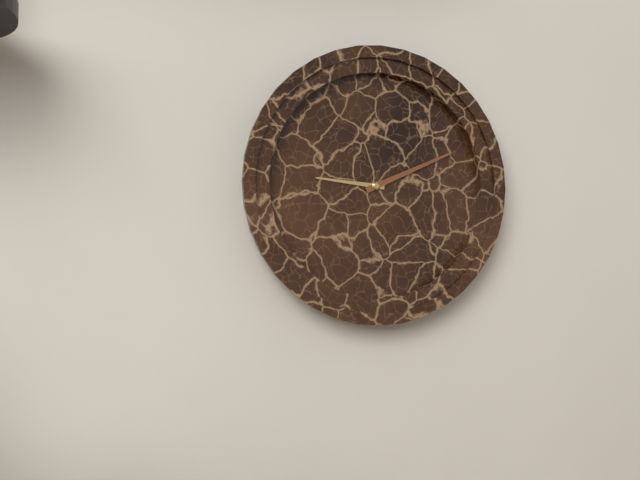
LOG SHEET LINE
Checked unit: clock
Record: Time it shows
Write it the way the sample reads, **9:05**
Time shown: **9:11**
